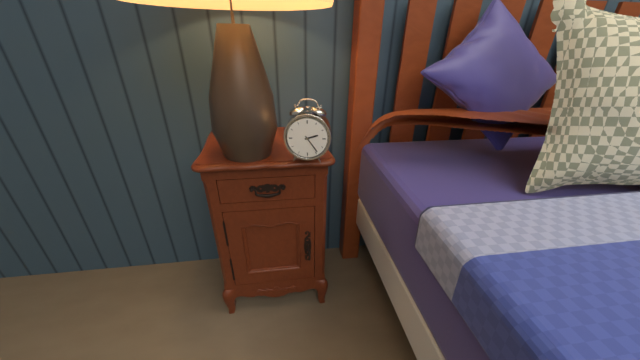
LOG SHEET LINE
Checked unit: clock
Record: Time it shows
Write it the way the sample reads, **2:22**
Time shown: **2:24**
